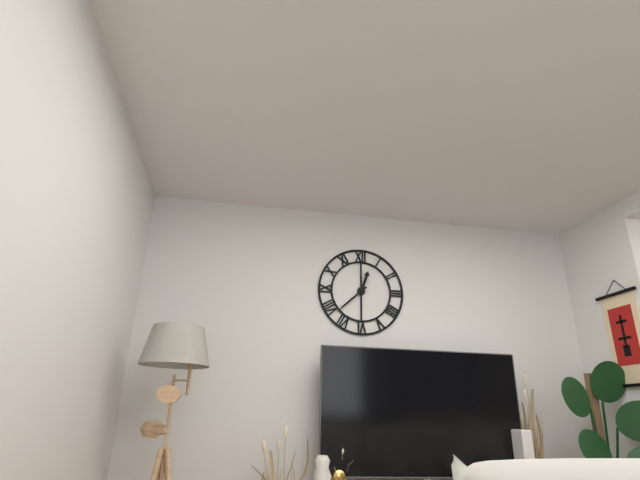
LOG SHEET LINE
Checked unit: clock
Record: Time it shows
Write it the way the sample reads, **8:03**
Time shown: **12:38**
